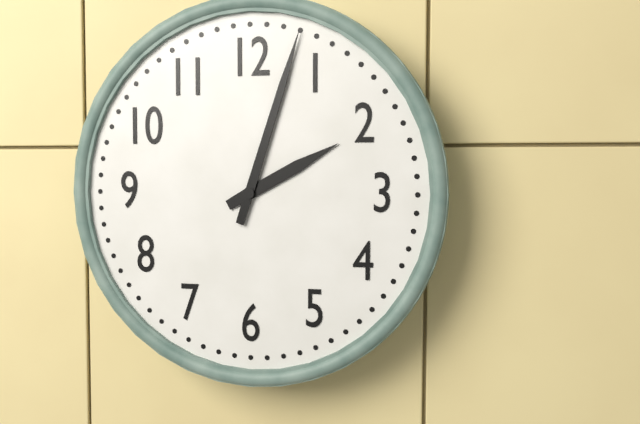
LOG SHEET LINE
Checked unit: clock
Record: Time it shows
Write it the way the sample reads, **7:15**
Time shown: **2:03**
